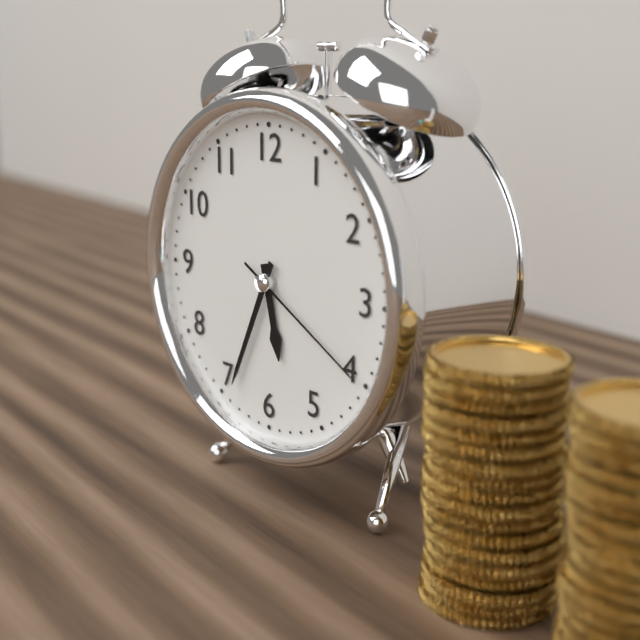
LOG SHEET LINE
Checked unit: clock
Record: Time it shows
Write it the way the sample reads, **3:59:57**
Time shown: **5:34:20**
